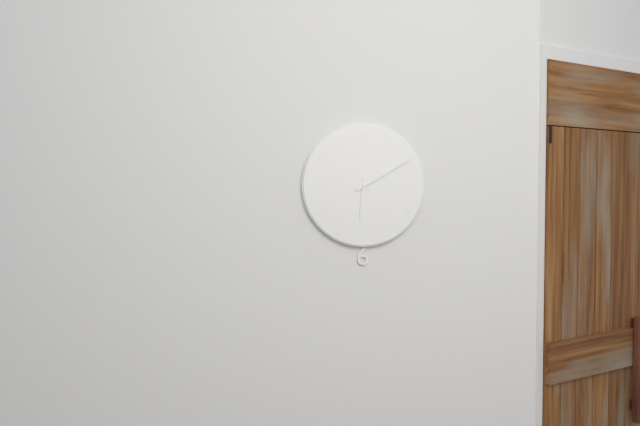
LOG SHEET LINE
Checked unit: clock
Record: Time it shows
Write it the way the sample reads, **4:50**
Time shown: **6:10**
